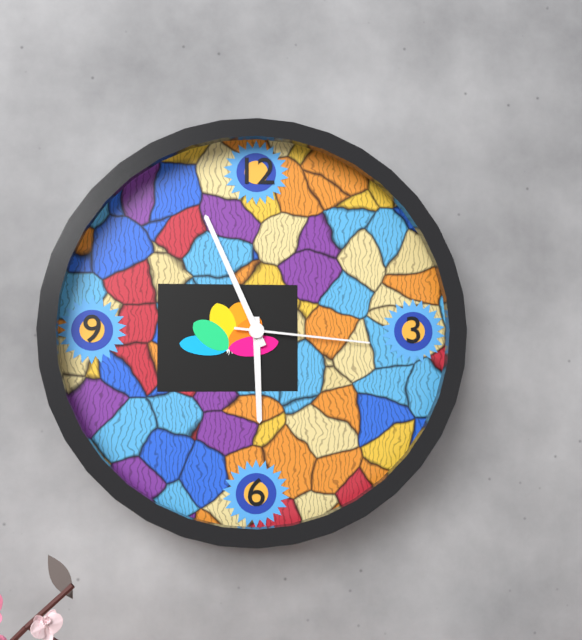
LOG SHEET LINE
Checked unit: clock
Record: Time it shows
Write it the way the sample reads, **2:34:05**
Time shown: **5:56:16**
